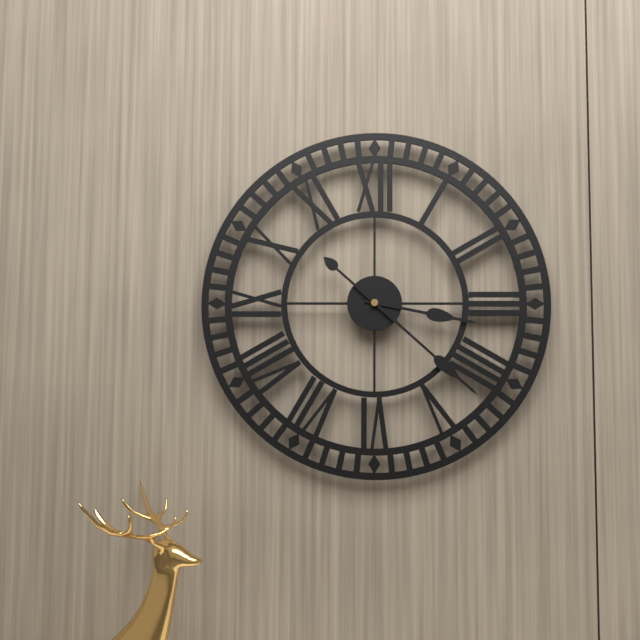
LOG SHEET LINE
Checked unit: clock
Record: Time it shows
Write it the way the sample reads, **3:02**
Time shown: **3:22**
